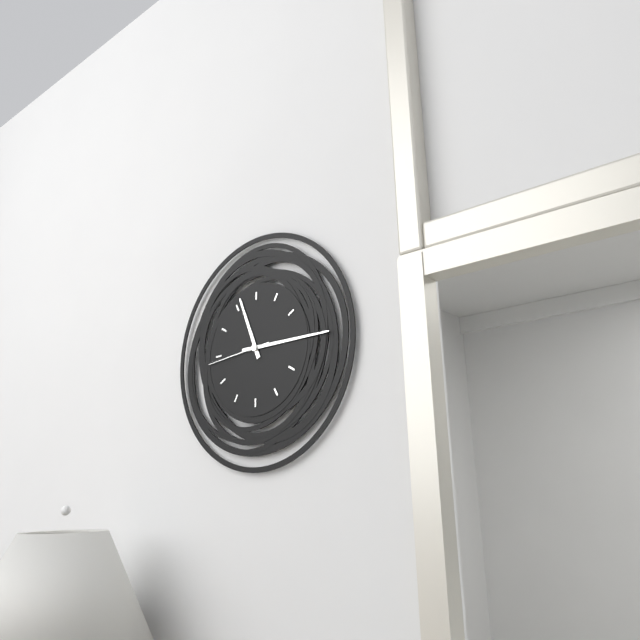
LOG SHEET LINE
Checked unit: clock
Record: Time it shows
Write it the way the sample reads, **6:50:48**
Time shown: **11:15:44**
